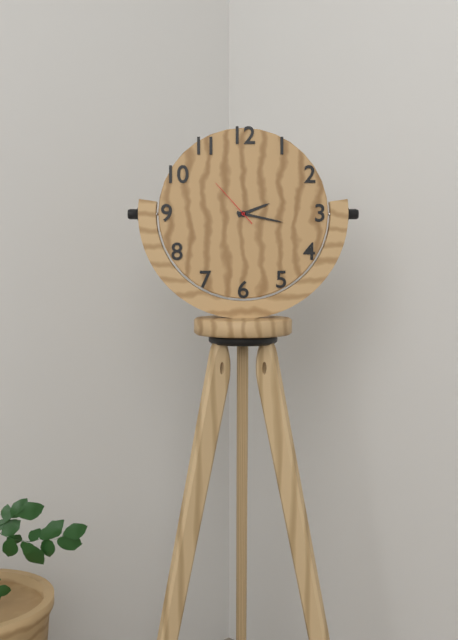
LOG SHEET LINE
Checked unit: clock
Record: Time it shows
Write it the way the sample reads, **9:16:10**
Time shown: **2:17:53**
